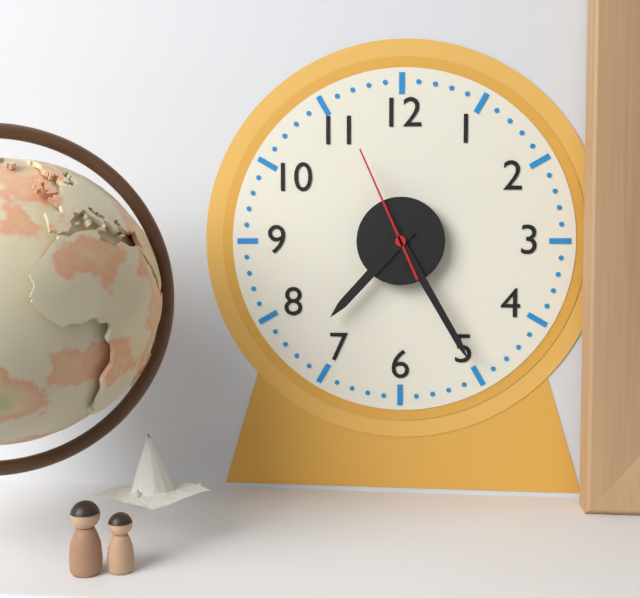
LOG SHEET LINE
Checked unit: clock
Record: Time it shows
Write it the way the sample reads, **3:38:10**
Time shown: **7:25:56**
